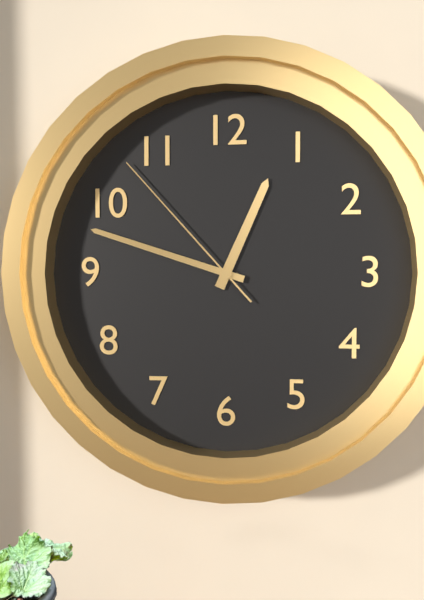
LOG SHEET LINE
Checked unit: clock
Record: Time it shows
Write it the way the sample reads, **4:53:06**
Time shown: **12:48:53**
